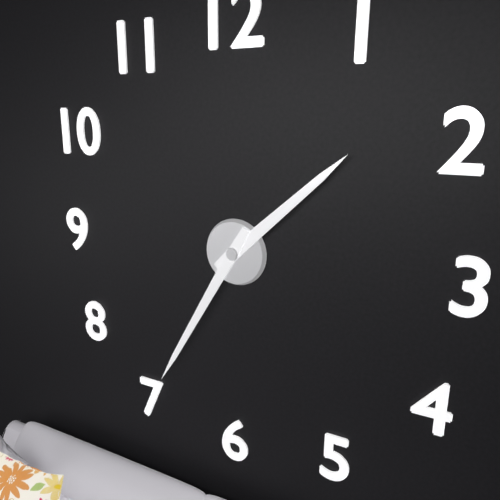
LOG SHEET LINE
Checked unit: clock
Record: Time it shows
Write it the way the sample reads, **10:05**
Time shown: **1:35**
